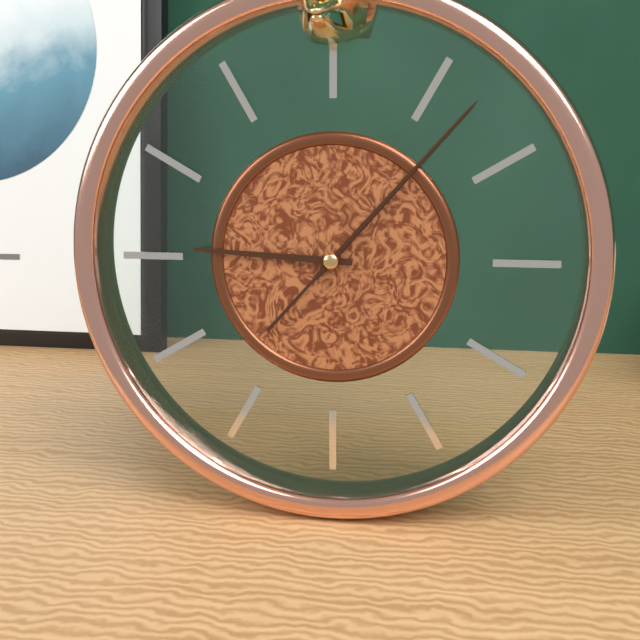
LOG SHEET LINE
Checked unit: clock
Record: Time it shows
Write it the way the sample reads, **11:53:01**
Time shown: **9:07:07**
